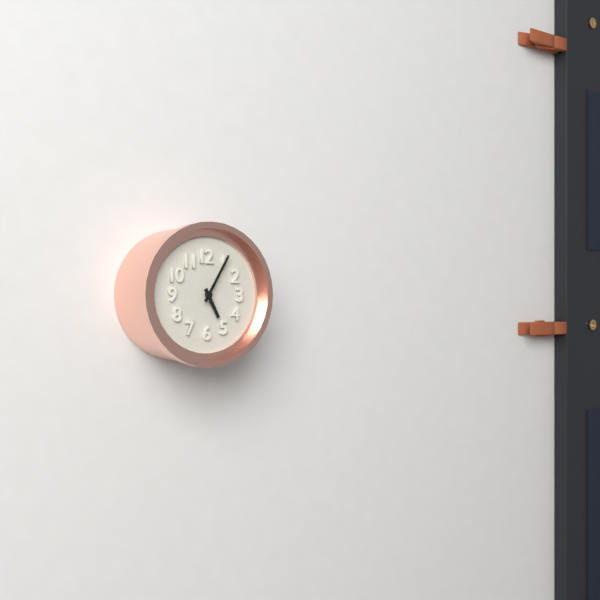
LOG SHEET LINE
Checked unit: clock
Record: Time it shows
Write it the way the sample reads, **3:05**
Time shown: **5:05**
